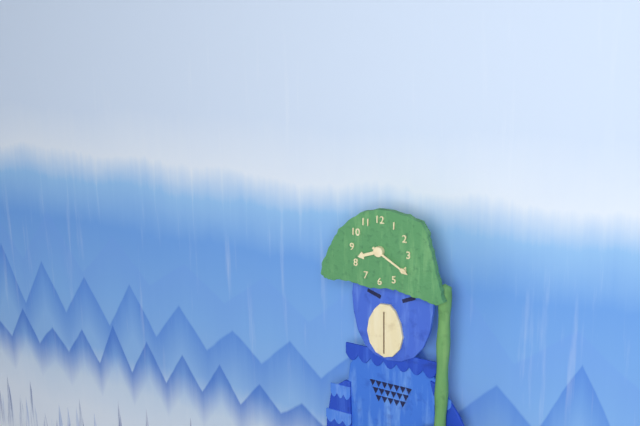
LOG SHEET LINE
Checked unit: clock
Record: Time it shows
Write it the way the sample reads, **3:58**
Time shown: **8:20**
